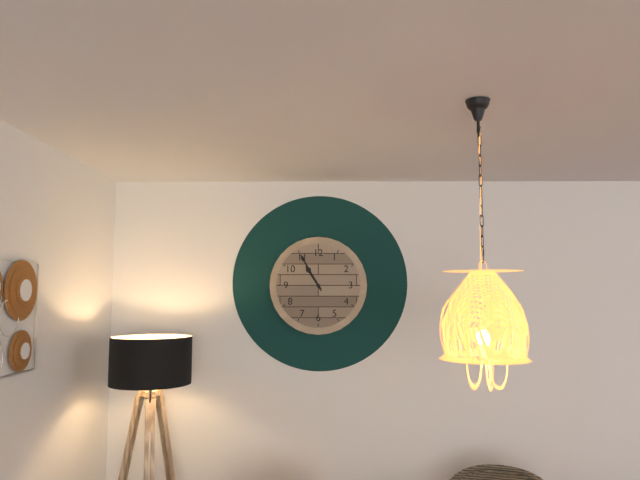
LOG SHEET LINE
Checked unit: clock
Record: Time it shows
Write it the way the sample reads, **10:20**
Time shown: **10:55**
